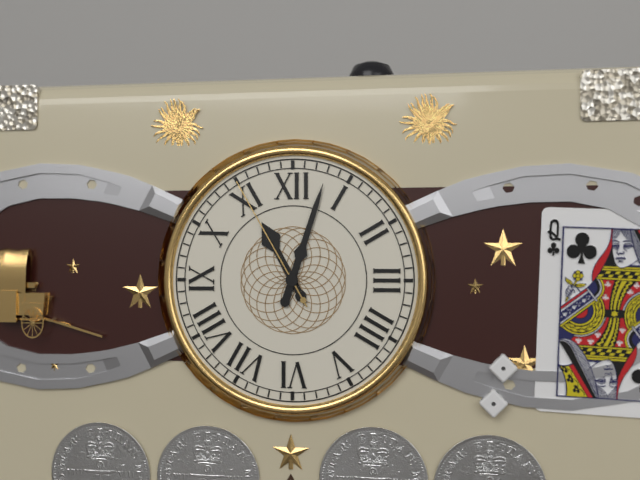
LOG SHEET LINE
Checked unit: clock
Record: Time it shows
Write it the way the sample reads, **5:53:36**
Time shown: **11:03:55**
